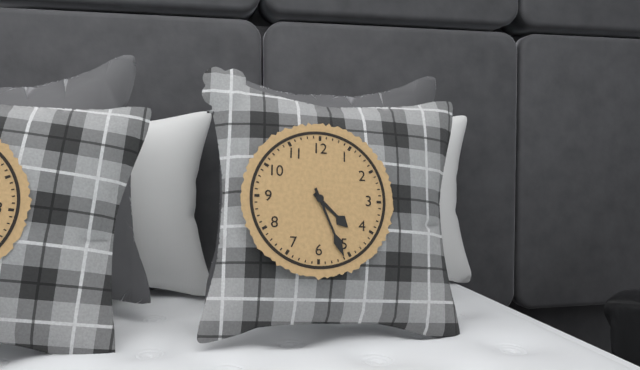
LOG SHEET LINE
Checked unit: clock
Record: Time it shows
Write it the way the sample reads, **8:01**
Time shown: **4:26**
